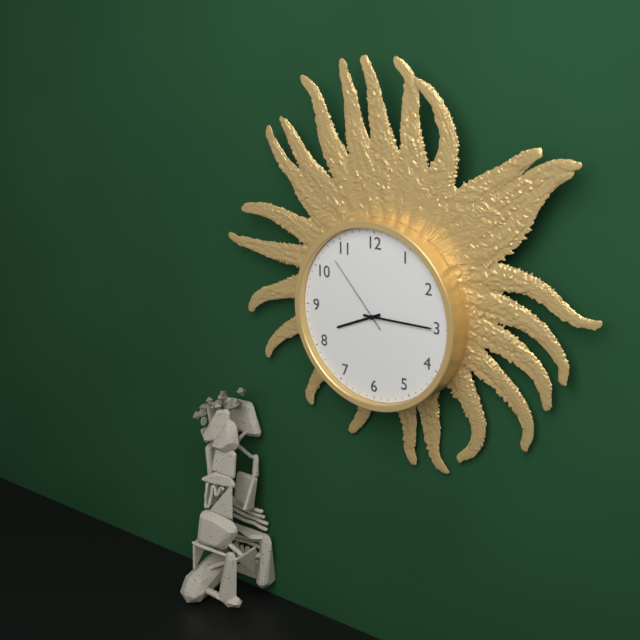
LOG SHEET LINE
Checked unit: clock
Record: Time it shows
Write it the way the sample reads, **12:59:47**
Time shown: **8:15:53**
